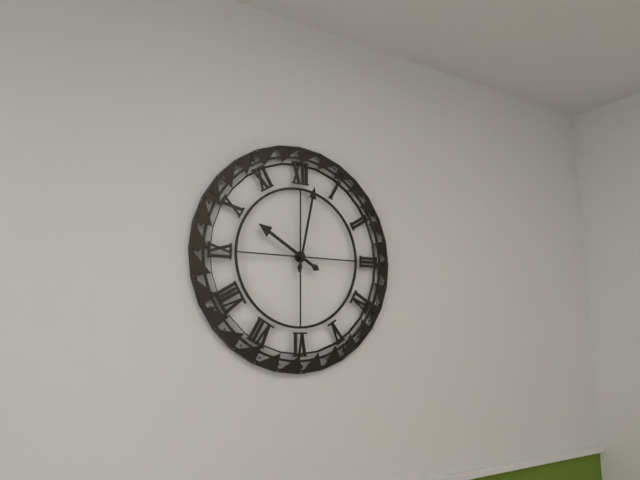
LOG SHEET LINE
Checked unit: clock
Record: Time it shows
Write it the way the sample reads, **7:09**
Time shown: **10:02**
